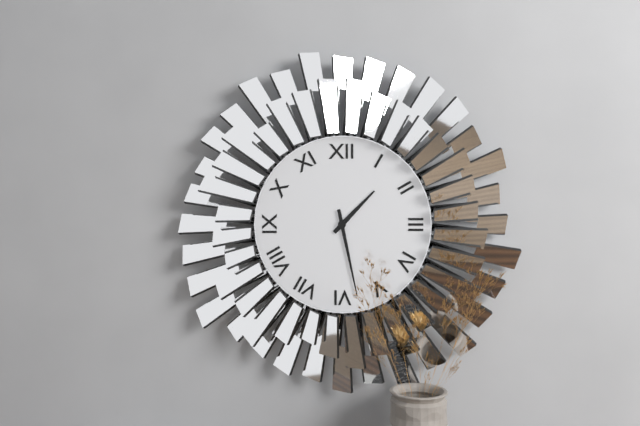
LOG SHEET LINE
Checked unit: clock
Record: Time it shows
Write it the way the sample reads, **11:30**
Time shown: **1:28**
